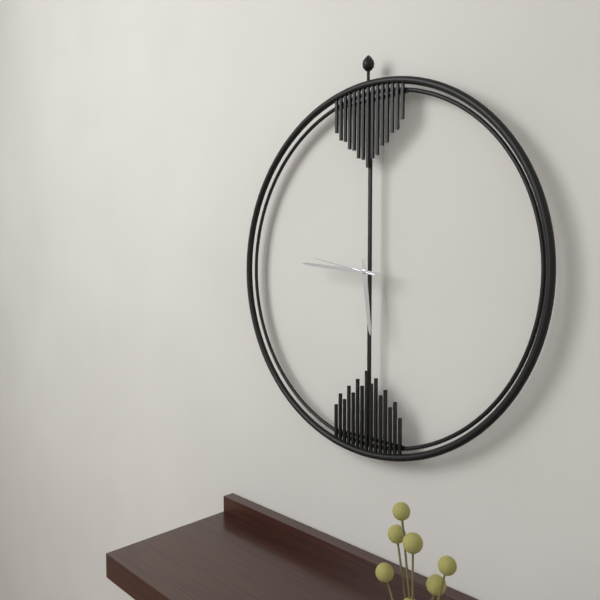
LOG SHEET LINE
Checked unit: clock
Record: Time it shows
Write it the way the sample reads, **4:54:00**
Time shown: **5:46:47**
